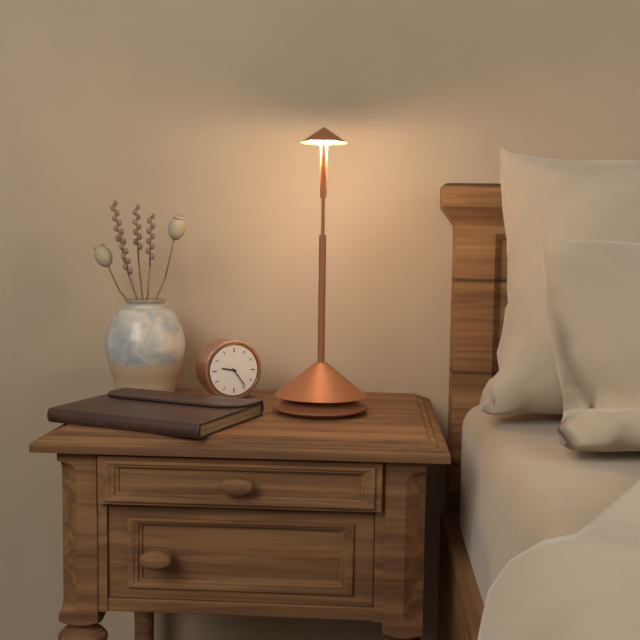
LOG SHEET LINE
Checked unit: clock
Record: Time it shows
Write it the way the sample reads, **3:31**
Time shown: **9:24**
